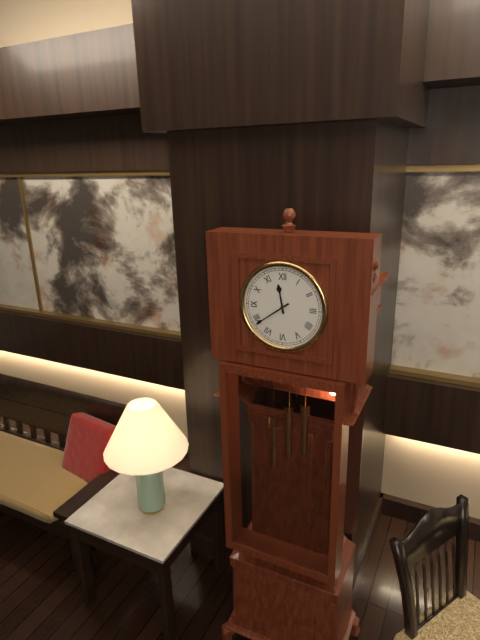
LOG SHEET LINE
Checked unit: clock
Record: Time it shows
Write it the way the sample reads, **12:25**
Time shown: **11:39**
